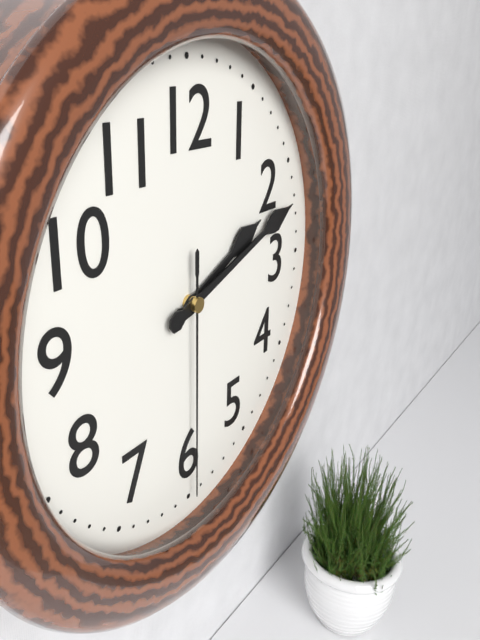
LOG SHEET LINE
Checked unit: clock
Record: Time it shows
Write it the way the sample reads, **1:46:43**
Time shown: **2:12:30**
